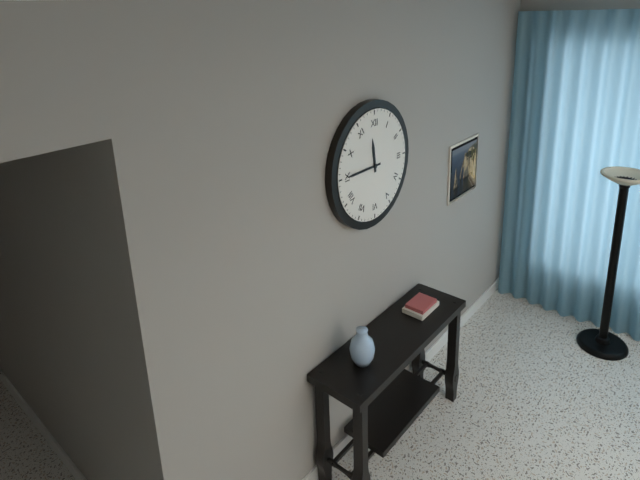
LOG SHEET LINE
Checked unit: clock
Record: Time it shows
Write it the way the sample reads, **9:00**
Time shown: **11:45**
